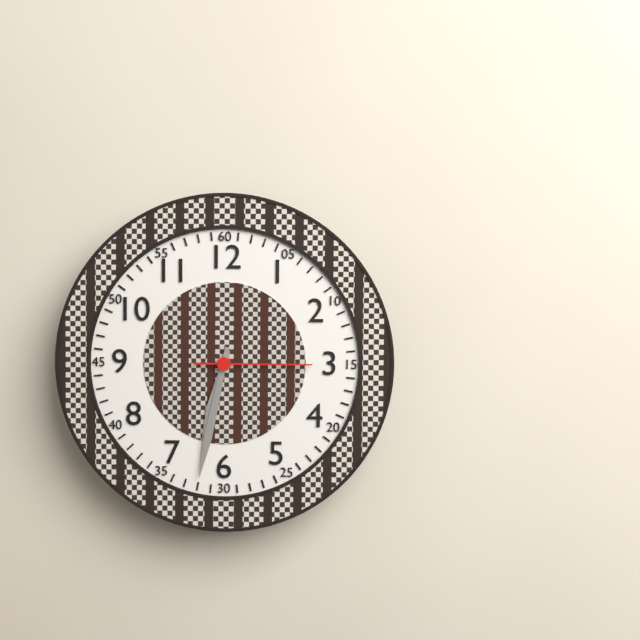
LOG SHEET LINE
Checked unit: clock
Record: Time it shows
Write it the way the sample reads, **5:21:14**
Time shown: **6:32:15**
